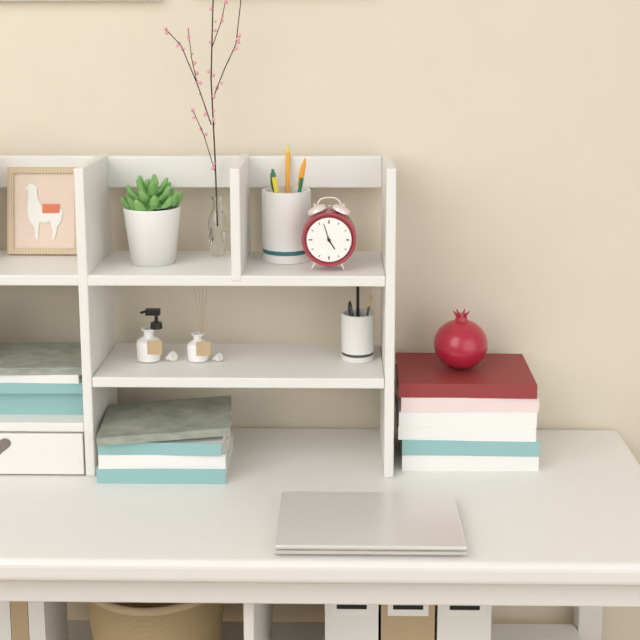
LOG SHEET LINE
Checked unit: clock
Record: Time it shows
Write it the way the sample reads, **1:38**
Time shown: **4:57**
